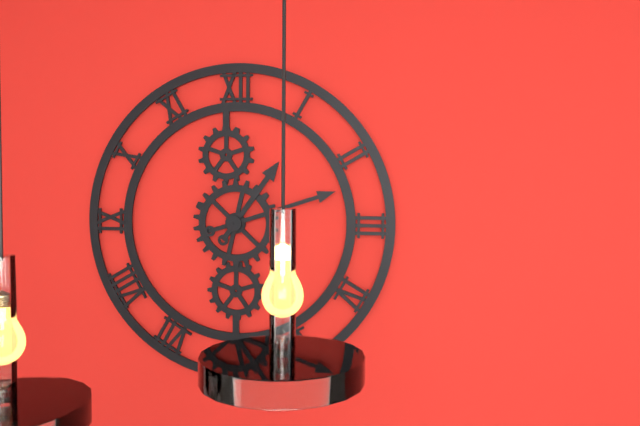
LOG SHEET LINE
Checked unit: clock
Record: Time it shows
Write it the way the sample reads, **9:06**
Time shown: **1:12**
